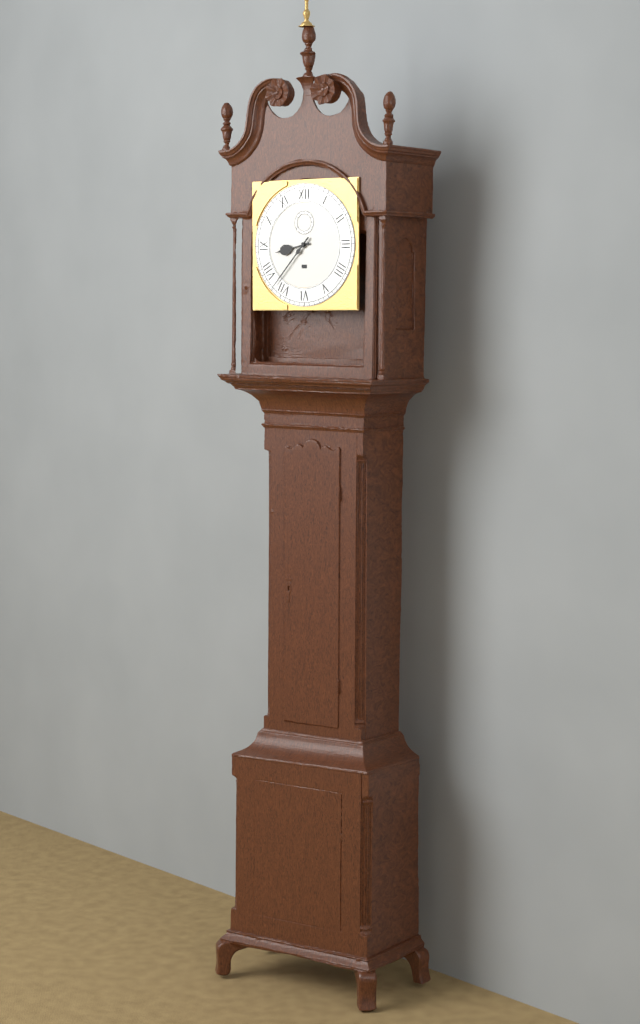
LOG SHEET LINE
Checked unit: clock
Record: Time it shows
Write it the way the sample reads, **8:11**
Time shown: **8:37**
